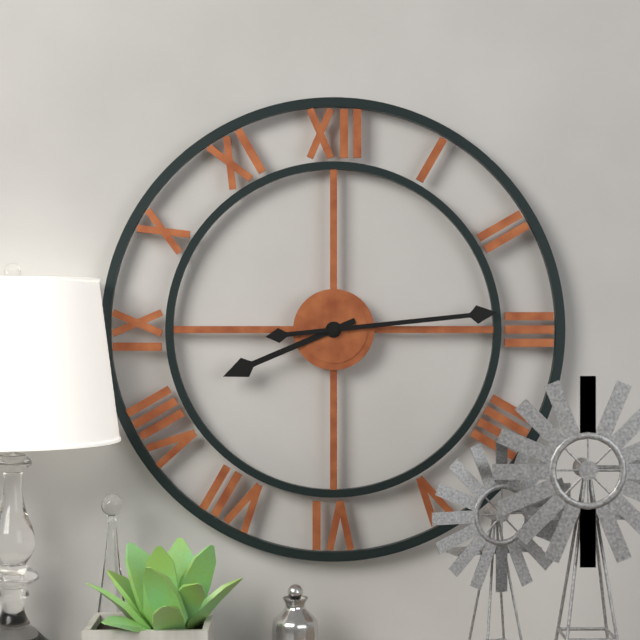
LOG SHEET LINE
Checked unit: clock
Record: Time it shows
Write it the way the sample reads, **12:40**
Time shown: **8:14**
